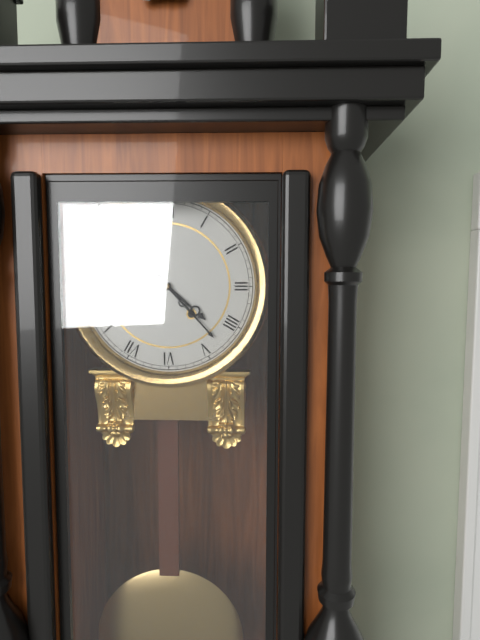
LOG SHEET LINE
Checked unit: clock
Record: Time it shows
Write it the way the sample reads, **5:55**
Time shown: **4:23**
